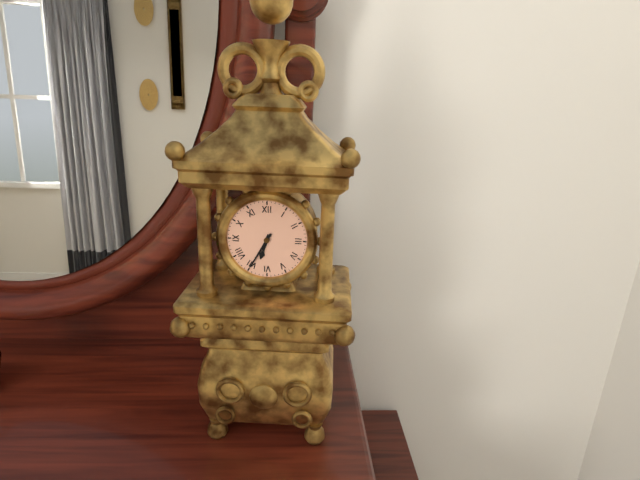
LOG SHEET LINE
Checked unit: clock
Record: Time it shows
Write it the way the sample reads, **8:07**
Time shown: **6:35**
